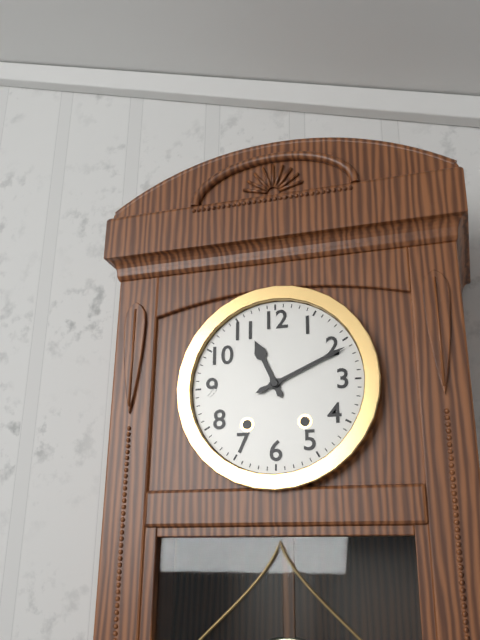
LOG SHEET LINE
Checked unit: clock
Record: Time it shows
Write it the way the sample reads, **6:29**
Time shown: **11:11**
